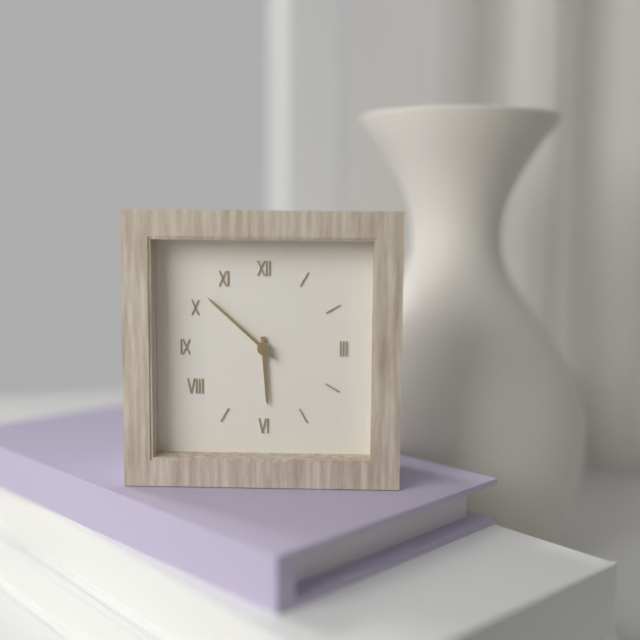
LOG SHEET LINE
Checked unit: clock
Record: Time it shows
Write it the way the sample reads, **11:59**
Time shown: **5:52**
